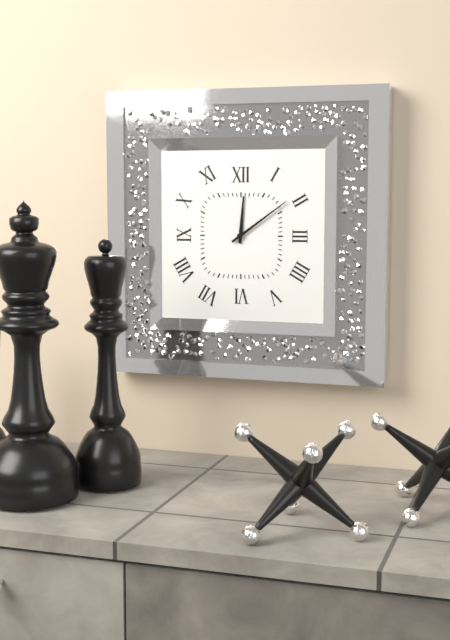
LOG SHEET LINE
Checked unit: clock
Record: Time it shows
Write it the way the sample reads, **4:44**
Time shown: **12:09**
